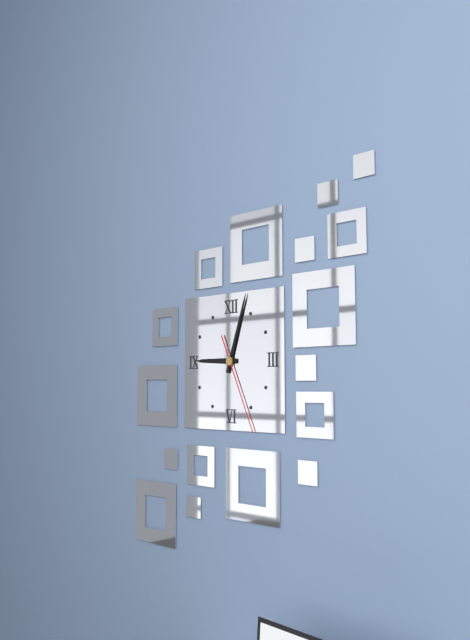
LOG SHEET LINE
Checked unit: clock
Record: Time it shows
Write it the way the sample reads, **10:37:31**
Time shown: **9:03:26**
